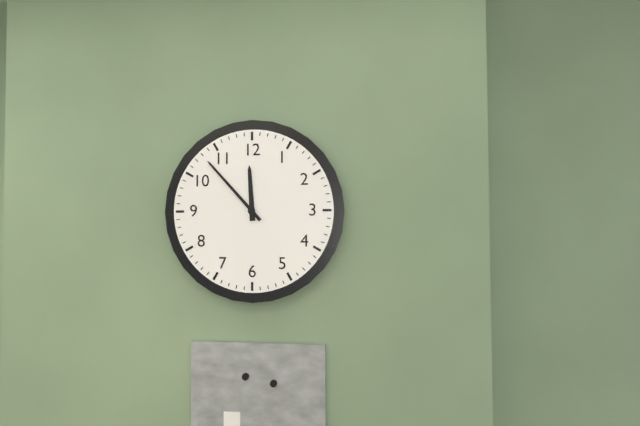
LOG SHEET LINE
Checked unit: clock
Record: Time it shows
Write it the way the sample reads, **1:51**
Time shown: **11:53**
